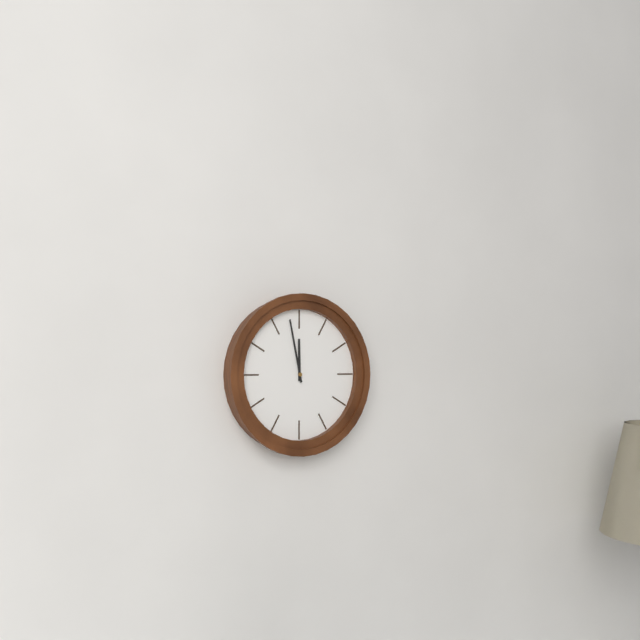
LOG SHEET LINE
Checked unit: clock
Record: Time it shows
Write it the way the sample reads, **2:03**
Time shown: **11:58**
